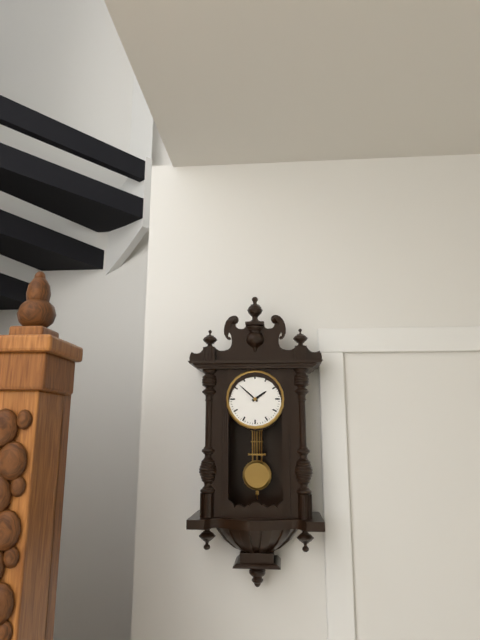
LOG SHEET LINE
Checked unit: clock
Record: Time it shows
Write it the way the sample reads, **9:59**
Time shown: **1:52**
